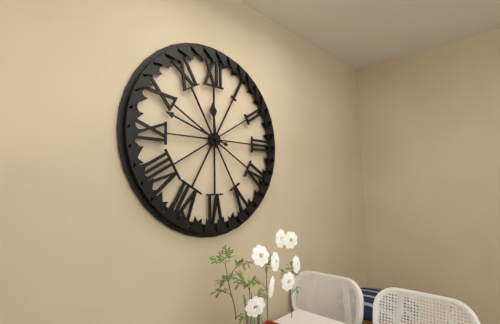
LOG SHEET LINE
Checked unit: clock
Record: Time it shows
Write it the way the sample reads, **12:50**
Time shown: **11:48**
